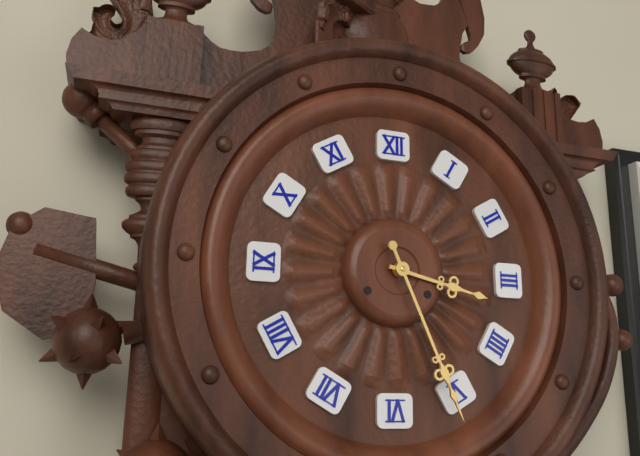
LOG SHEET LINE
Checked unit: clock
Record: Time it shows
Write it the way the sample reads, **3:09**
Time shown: **3:26**
